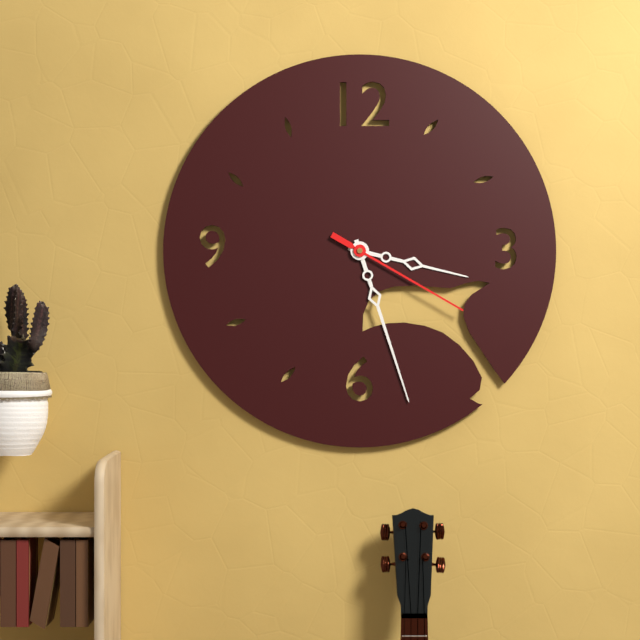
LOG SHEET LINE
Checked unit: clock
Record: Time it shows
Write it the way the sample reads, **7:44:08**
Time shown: **3:27:20**
